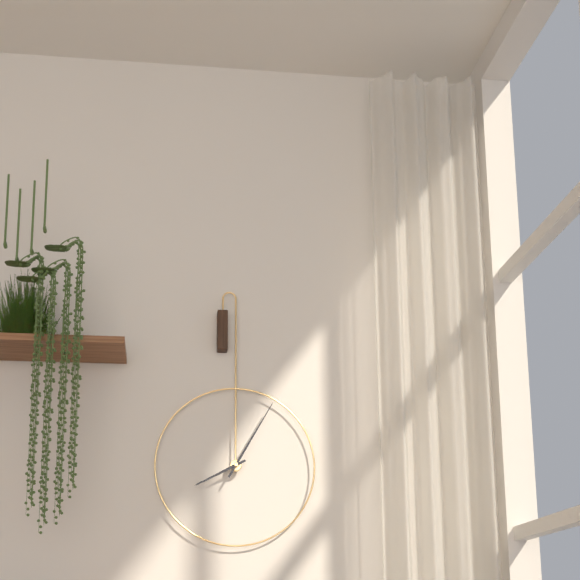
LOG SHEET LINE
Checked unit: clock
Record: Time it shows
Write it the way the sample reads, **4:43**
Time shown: **8:05**
